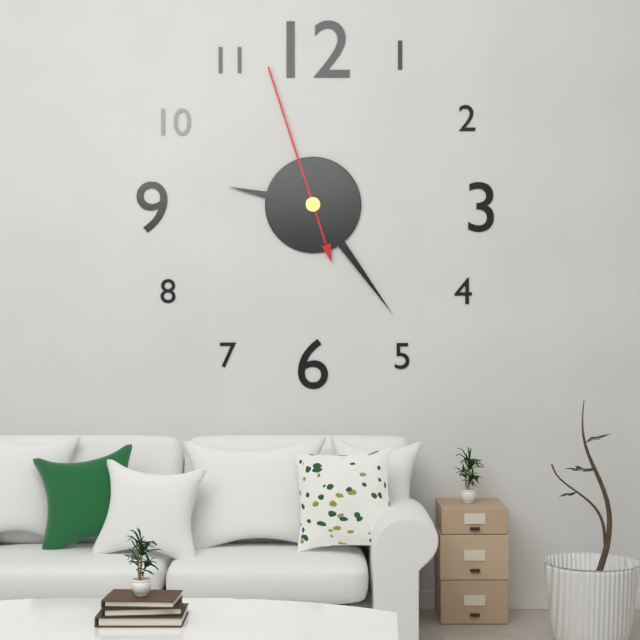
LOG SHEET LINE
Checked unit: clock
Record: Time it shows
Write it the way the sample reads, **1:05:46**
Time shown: **9:24:57**
